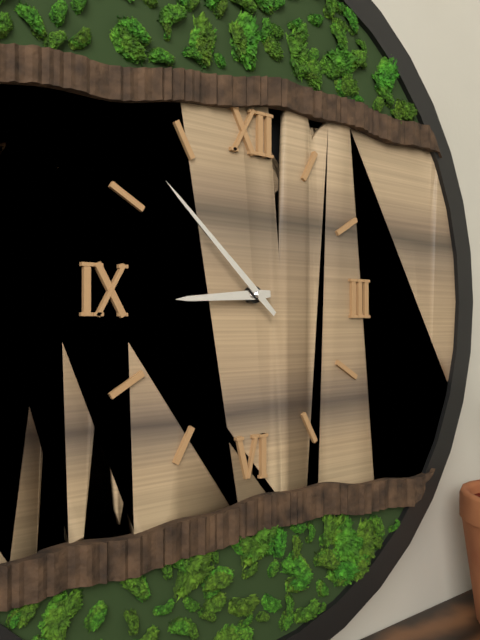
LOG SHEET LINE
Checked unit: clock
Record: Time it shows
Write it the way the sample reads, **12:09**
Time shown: **8:52**
